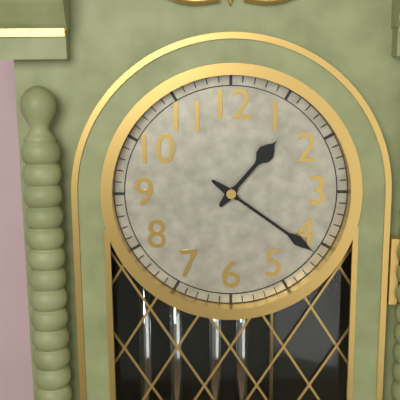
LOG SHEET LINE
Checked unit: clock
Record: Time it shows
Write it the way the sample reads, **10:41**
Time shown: **1:21**
